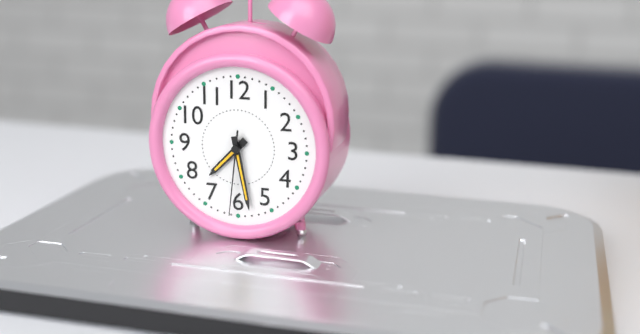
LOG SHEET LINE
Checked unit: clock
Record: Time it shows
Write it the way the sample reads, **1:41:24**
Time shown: **7:28:31**
